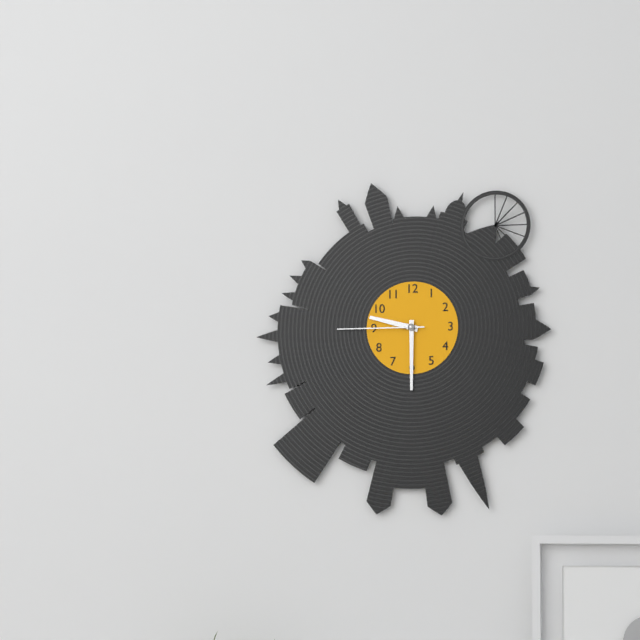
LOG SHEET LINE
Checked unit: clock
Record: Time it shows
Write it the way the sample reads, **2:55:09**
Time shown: **9:30:45**
